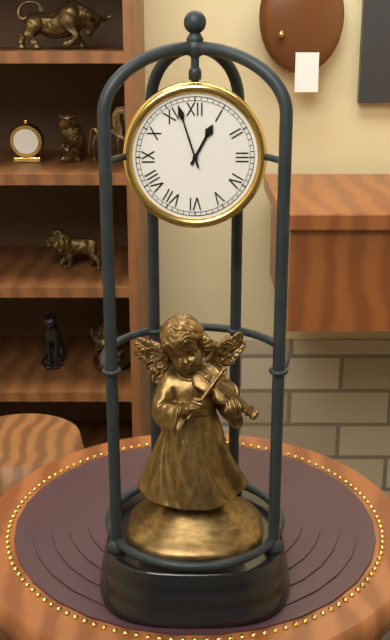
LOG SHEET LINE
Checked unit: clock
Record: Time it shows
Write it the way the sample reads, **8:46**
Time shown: **12:57**
